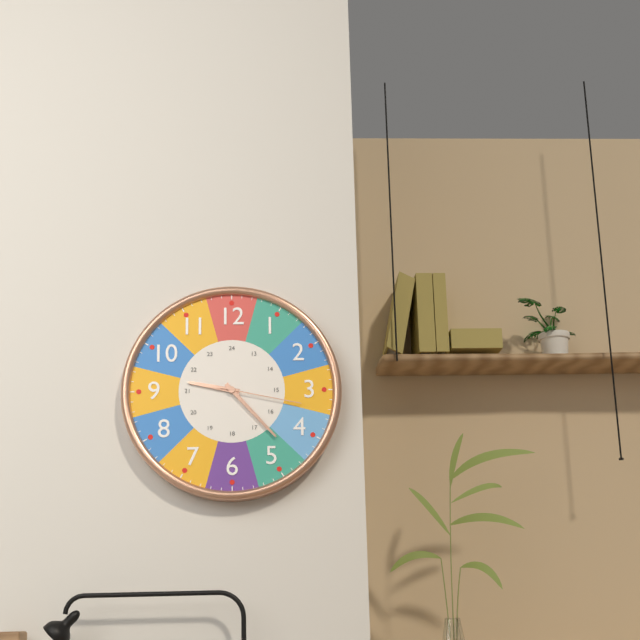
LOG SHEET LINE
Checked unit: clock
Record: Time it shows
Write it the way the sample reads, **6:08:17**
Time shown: **9:23:17**
